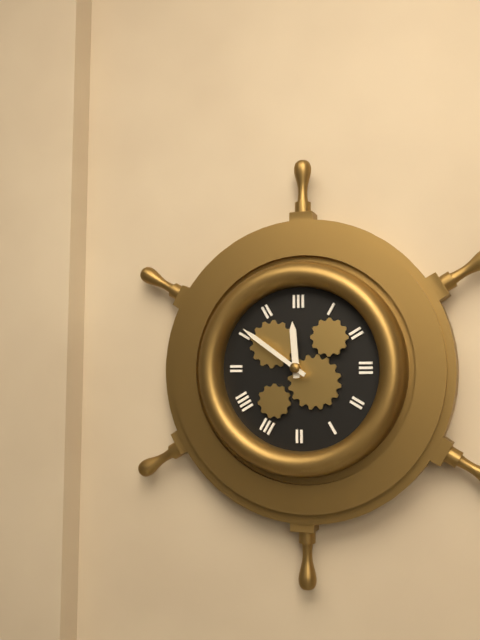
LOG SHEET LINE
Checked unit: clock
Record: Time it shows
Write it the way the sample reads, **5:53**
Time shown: **11:51**
